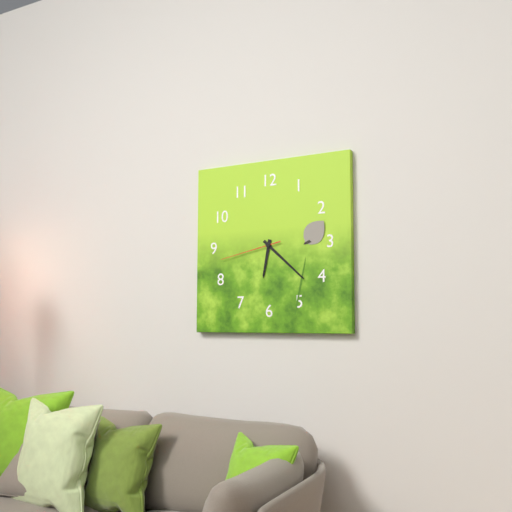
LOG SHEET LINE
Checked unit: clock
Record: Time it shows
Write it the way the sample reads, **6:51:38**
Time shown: **6:22:43**
